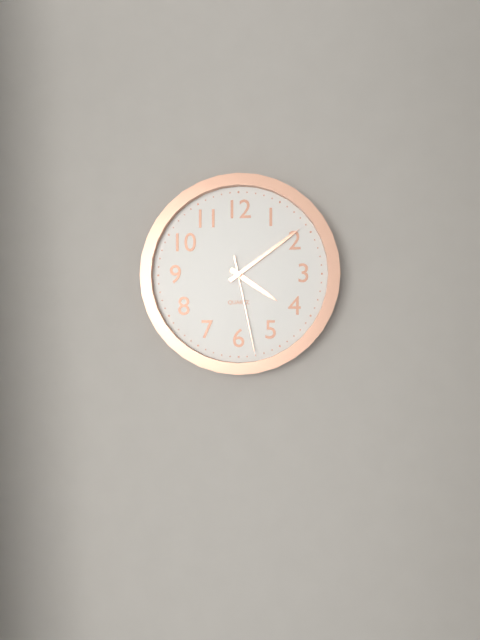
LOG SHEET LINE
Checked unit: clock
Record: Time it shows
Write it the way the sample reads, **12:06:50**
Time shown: **4:09:28**
